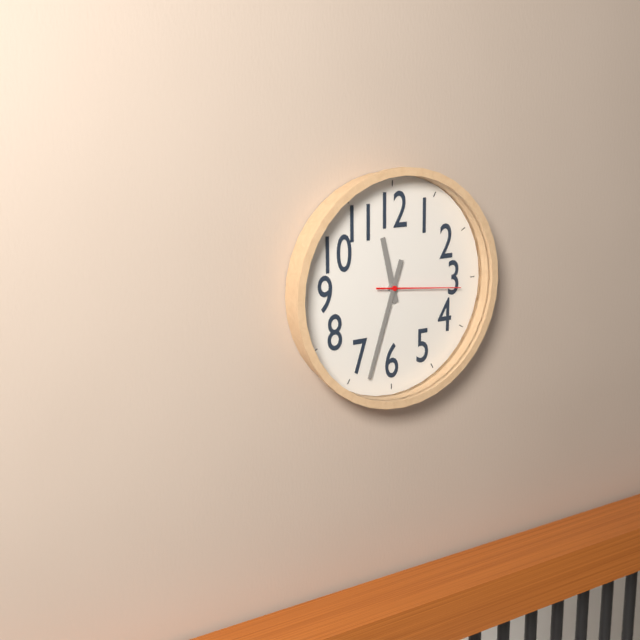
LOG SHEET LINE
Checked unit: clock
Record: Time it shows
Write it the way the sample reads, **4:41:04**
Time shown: **11:33:16**
